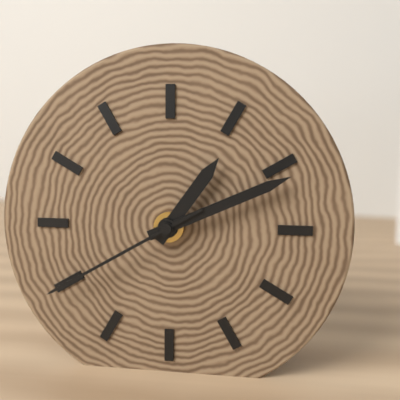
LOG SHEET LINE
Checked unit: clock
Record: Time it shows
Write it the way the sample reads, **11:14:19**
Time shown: **1:11:40**
